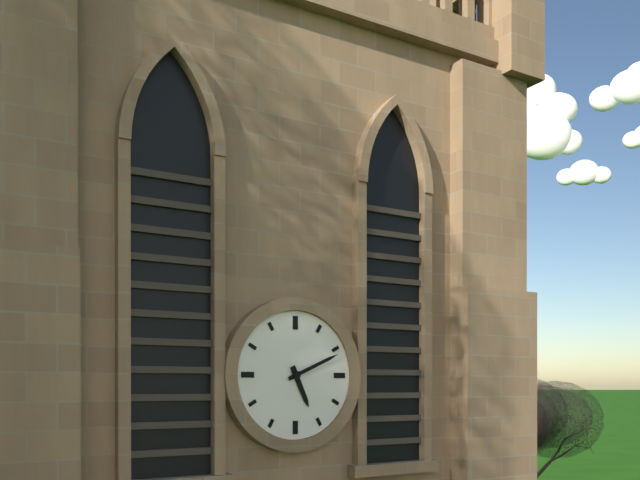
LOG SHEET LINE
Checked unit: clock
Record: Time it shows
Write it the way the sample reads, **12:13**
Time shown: **5:11**
